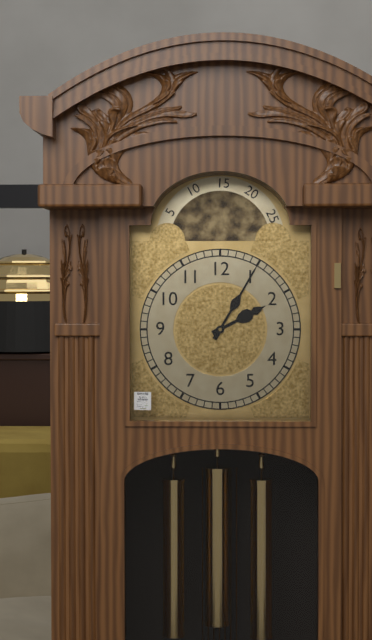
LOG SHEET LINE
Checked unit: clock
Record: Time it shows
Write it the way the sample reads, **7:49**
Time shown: **2:05**
